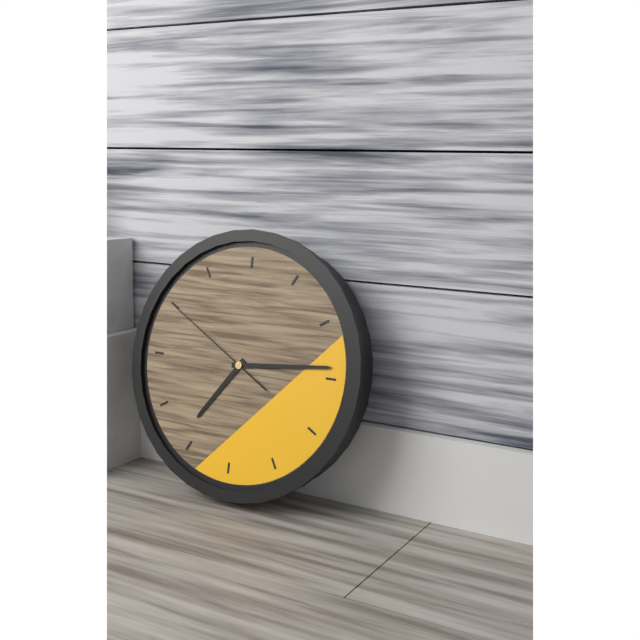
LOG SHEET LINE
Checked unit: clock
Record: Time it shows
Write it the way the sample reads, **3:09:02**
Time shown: **7:14:50**
